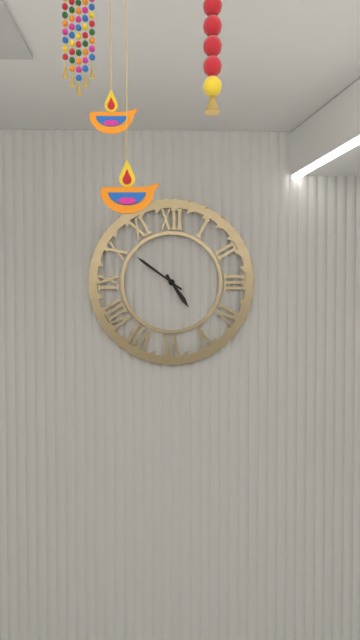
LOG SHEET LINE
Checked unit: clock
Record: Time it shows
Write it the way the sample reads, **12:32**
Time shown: **4:51**
